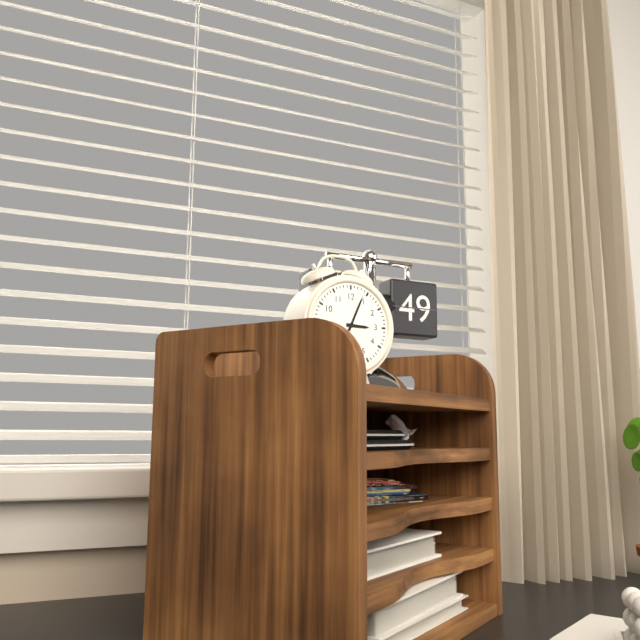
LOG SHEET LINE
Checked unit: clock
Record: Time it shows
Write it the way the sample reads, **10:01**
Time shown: **3:04**
